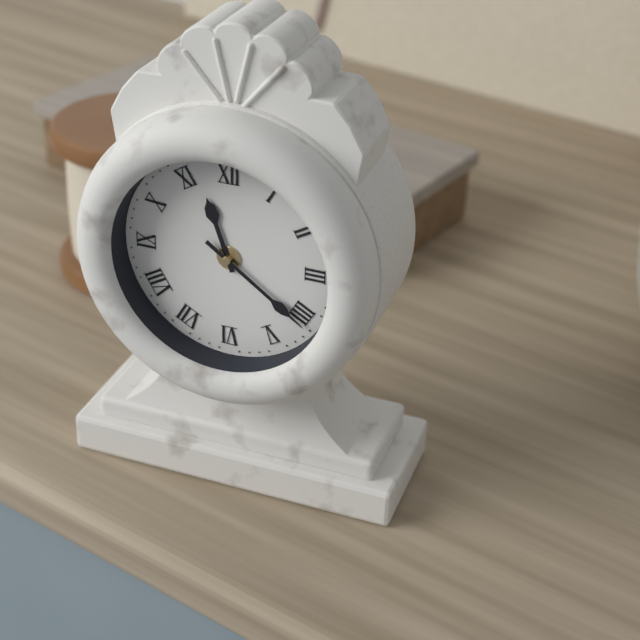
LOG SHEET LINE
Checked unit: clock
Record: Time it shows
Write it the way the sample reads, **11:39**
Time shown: **11:21**
